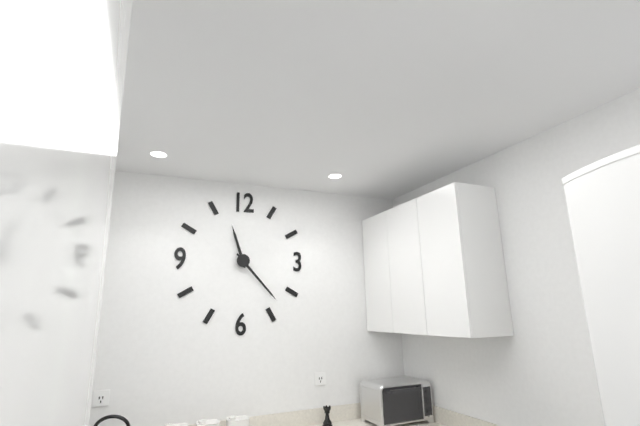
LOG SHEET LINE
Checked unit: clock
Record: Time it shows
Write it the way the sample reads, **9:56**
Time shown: **11:23**
